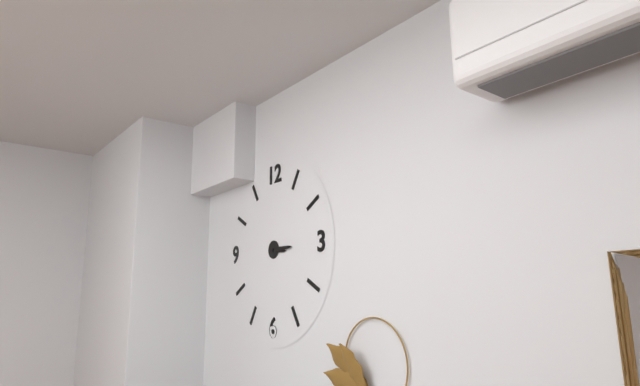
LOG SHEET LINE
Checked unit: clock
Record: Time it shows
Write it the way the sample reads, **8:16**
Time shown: **3:15**
